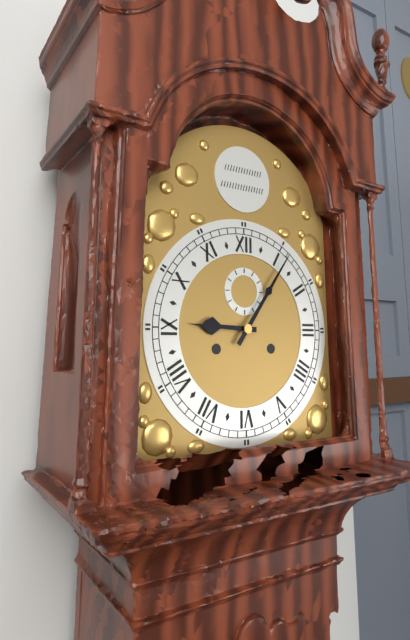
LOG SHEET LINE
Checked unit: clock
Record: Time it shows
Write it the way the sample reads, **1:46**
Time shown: **9:06**
